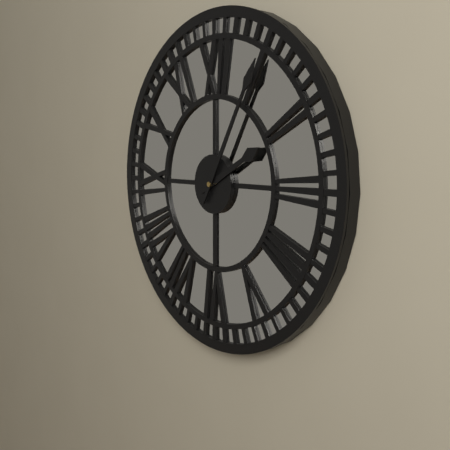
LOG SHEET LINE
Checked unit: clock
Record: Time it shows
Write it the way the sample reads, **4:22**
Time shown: **2:05**
